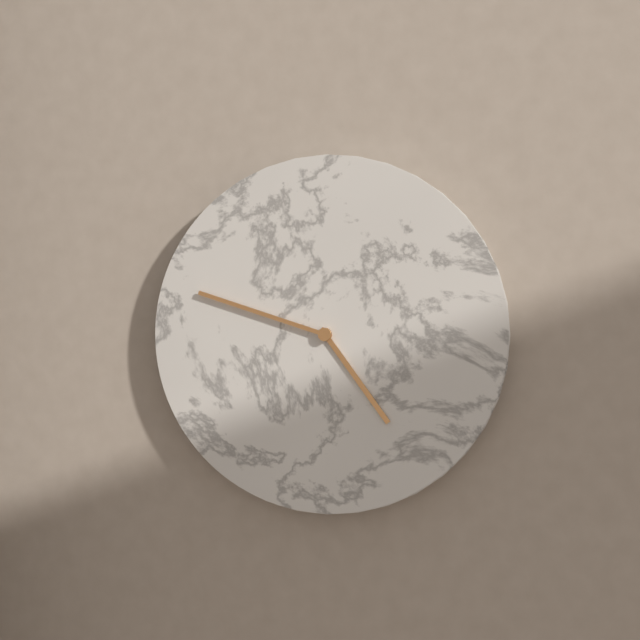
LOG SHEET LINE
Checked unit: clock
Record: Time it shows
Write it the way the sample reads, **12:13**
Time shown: **4:48**
